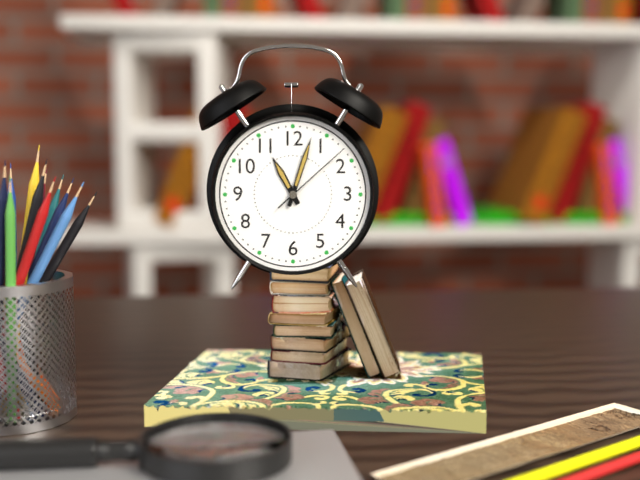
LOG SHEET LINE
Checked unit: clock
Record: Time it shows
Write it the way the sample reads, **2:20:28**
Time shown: **11:03:08**
